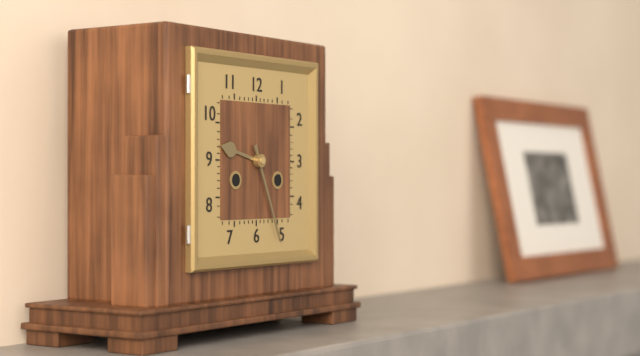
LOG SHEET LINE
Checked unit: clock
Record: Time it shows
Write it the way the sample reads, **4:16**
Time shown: **9:26**
